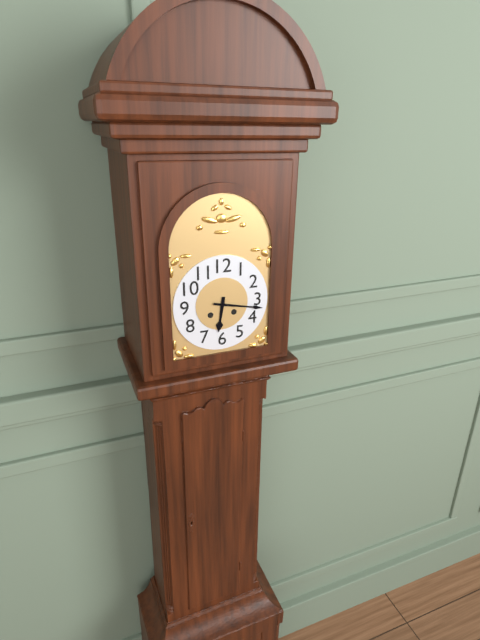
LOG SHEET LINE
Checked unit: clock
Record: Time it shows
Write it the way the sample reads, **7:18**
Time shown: **6:17**
